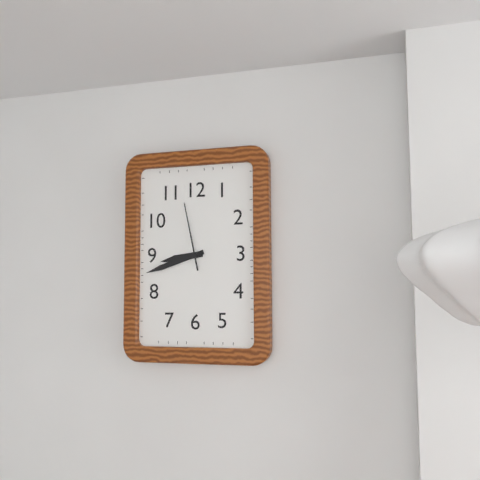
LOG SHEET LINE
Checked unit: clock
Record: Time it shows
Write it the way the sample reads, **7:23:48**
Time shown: **8:42:58**
